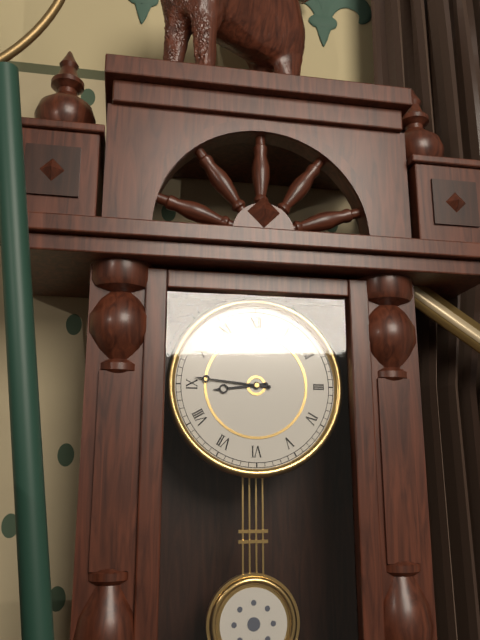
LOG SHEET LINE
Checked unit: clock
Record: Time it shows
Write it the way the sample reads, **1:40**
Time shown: **8:46**
